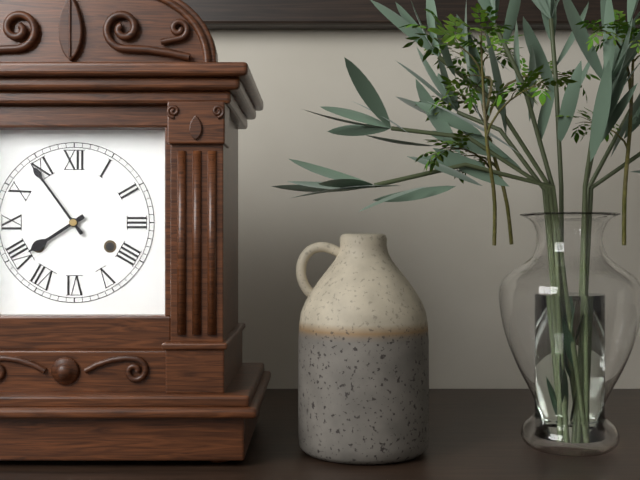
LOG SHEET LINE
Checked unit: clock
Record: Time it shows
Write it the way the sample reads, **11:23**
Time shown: **7:54**
